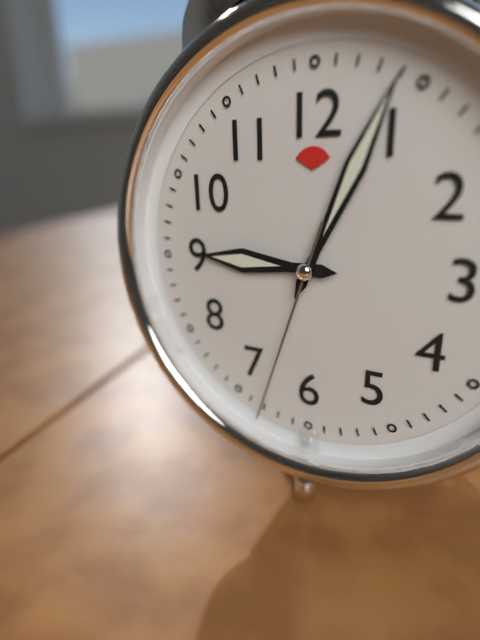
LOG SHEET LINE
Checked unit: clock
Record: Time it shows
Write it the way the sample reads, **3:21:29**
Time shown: **9:04:33**
